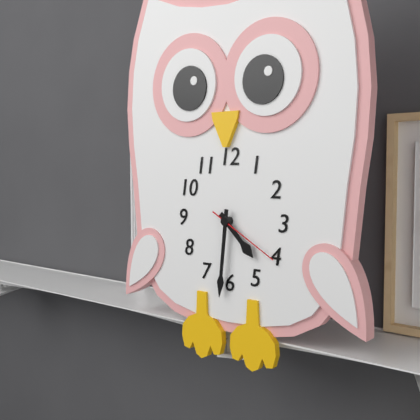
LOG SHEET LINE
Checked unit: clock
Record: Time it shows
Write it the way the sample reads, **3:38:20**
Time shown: **4:31:20**
